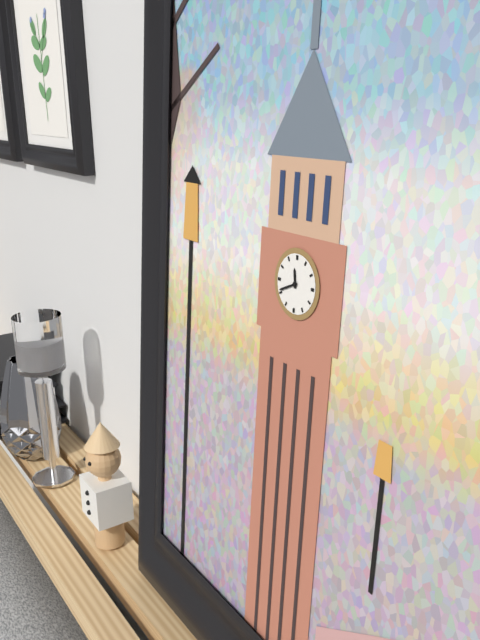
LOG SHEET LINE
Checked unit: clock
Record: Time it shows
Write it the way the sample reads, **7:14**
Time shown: **11:41**
